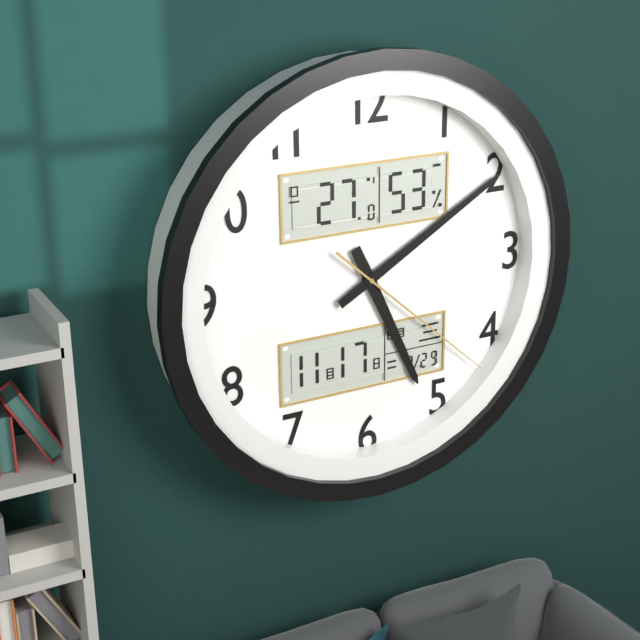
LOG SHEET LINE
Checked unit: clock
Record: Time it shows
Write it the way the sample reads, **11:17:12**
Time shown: **5:10:22**
